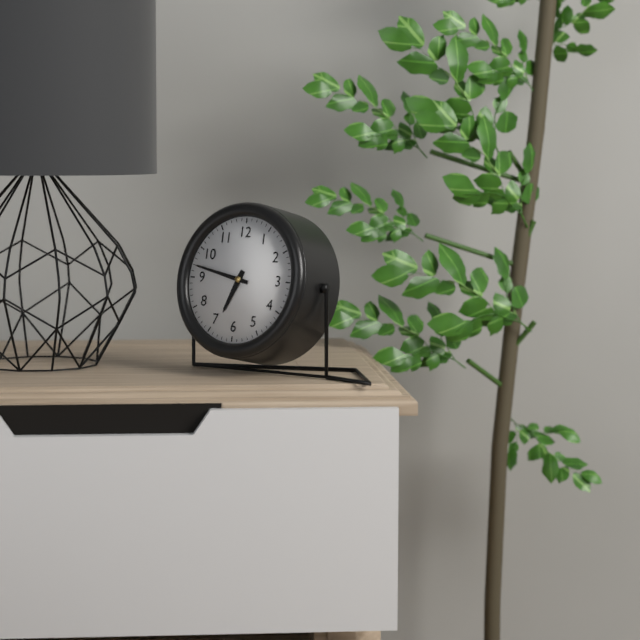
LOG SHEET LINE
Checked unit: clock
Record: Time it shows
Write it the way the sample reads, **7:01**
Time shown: **6:47**
